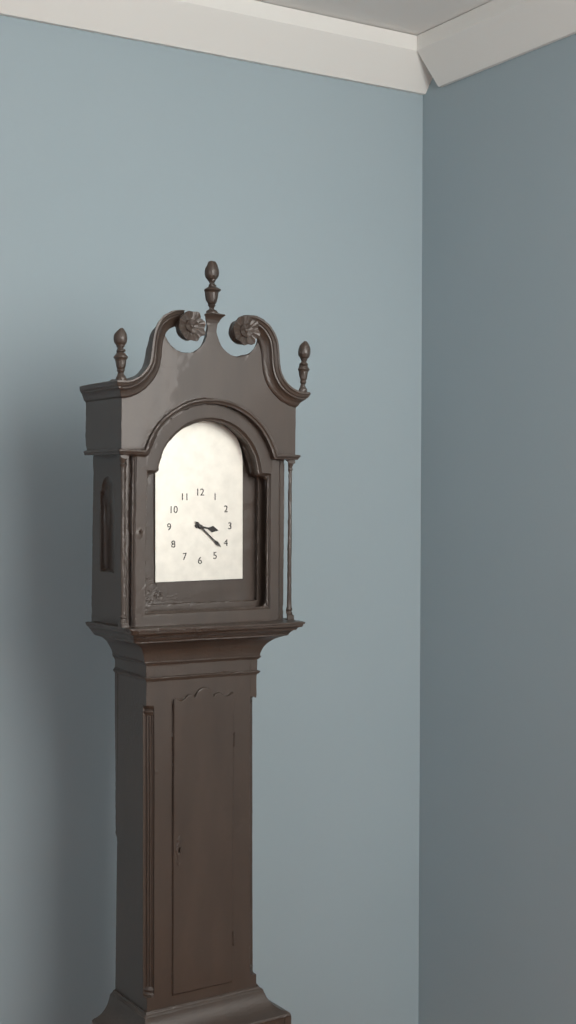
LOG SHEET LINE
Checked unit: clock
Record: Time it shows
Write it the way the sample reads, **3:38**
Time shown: **3:22**
